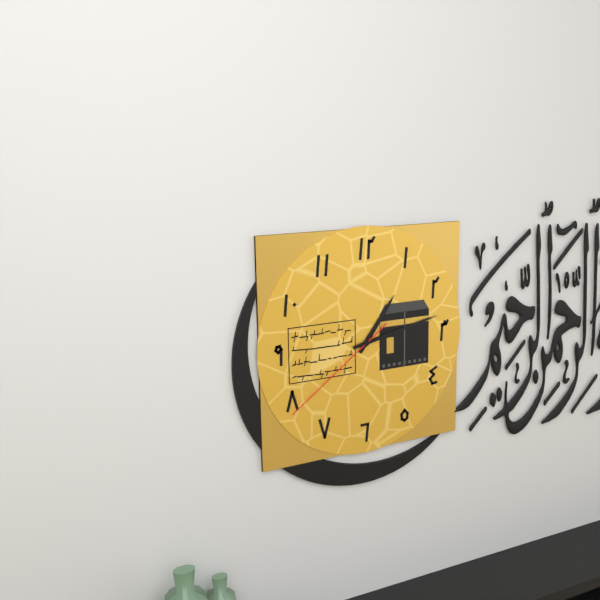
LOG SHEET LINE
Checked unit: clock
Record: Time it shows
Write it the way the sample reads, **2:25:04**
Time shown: **1:13:39**
